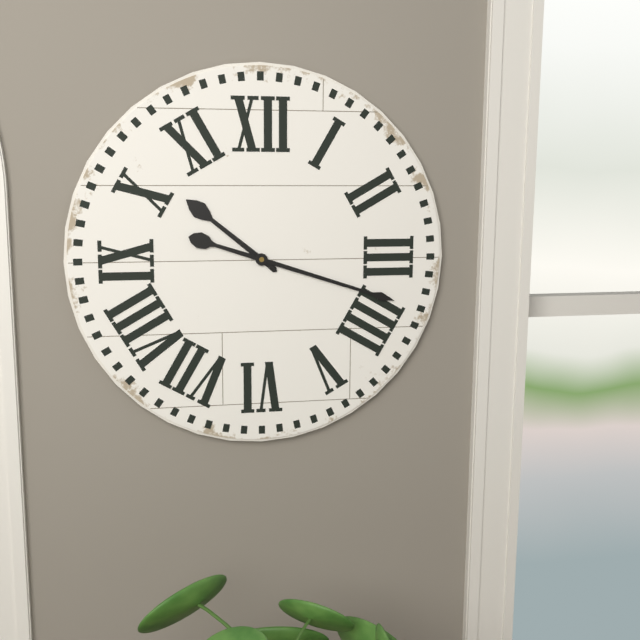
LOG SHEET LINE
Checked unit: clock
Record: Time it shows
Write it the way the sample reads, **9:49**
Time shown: **10:18**
